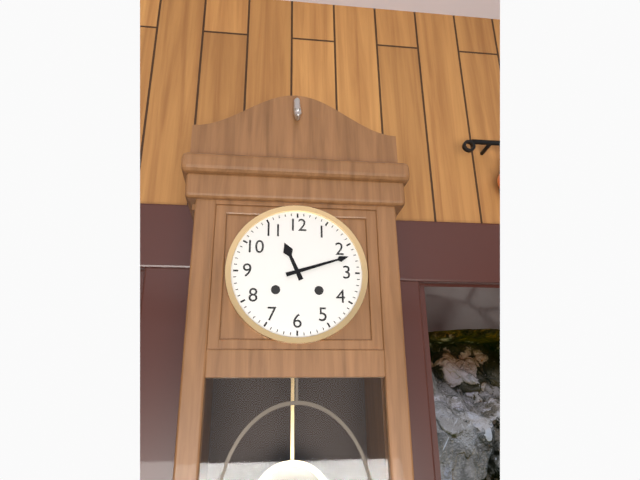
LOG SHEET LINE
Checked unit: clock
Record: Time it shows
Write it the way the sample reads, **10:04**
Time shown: **11:12**
